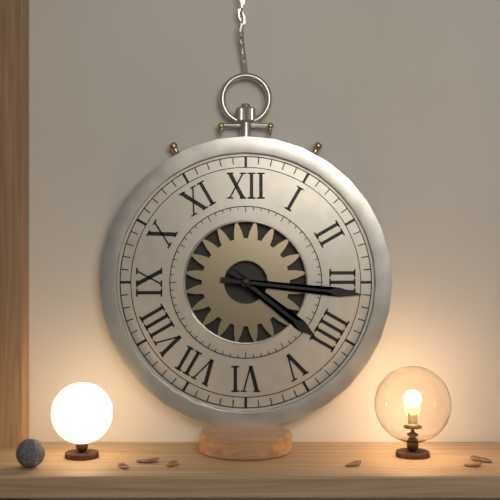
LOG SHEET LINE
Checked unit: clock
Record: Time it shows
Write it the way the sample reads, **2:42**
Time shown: **4:16**
